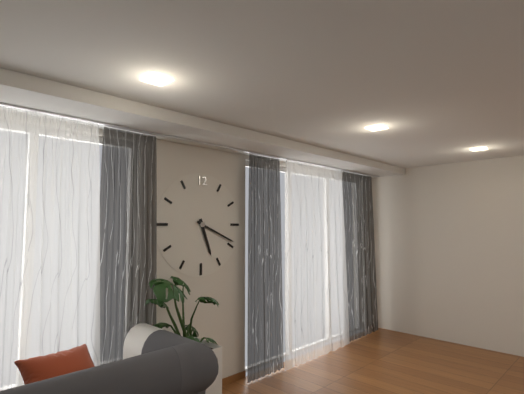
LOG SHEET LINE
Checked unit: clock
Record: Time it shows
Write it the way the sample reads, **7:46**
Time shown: **5:19**
